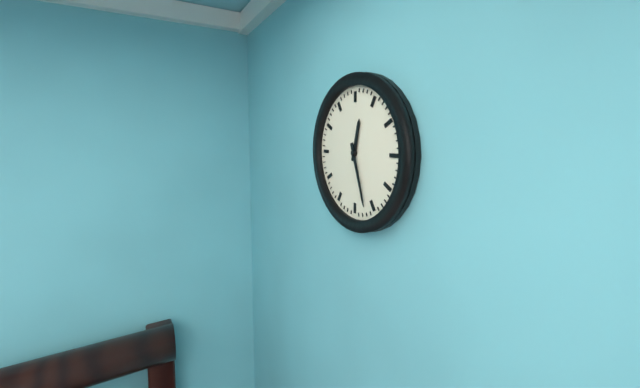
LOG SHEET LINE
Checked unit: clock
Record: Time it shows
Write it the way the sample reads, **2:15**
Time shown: **12:27**
